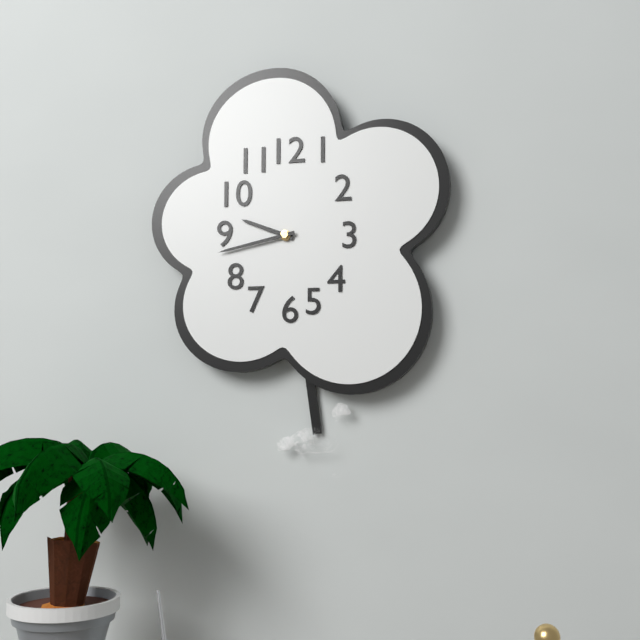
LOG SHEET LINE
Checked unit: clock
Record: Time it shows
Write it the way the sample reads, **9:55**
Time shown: **9:43**
